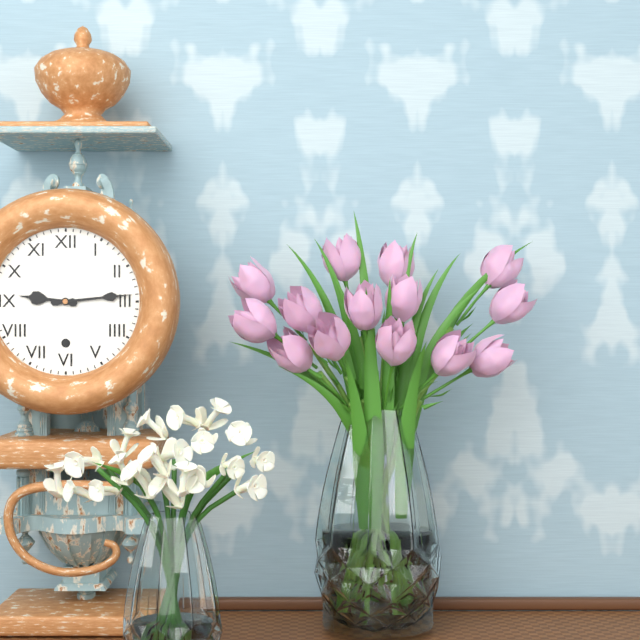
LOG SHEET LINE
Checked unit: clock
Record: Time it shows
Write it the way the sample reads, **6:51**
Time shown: **9:14**
